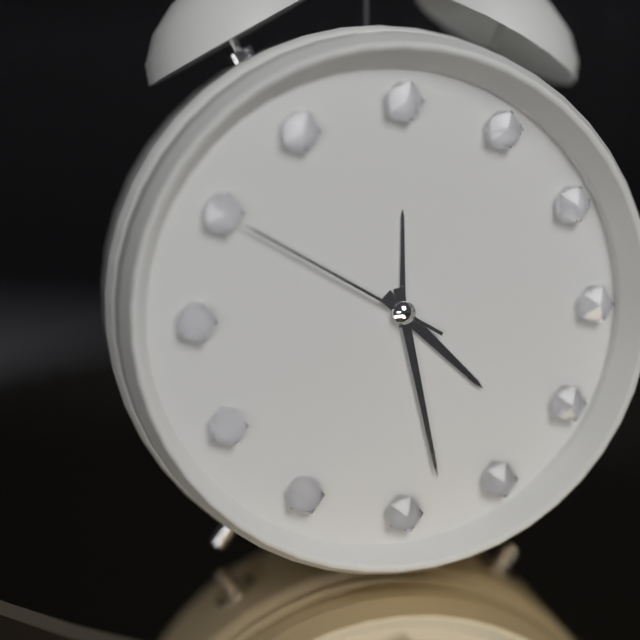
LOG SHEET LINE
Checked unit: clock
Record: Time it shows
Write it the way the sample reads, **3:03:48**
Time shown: **4:28:50**
